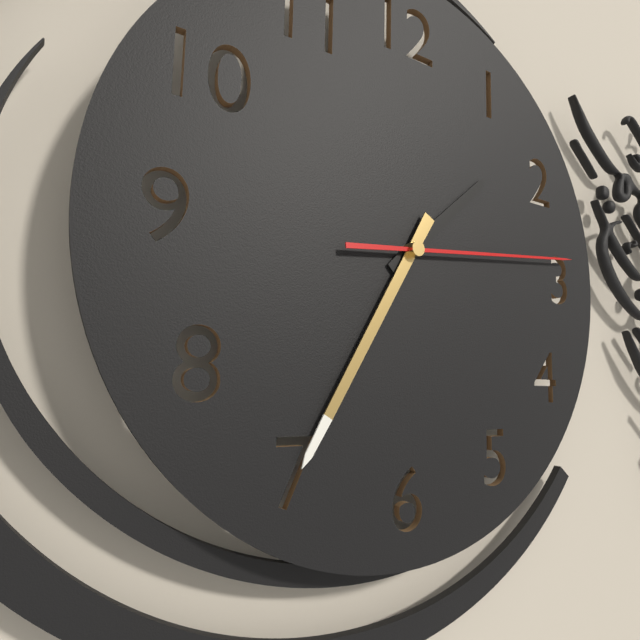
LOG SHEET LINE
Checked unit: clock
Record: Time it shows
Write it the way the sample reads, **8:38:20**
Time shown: **1:35:14**
